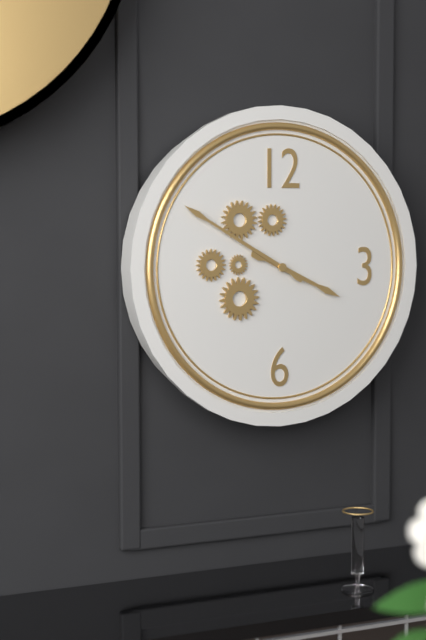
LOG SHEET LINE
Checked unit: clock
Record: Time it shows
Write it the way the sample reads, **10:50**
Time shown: **3:50**
